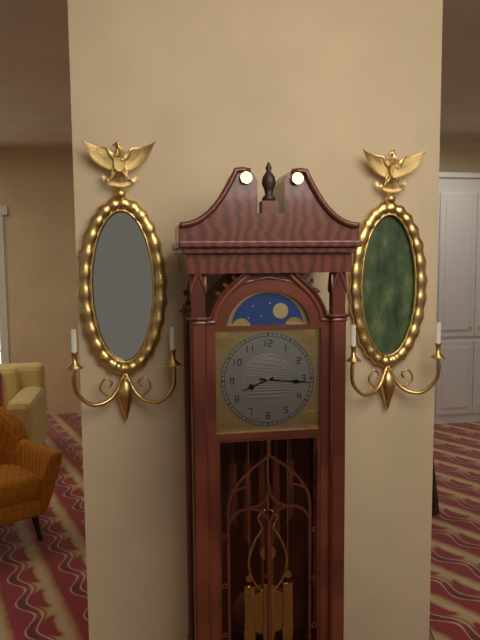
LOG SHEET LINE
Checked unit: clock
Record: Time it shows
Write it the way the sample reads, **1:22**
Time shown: **8:16**
